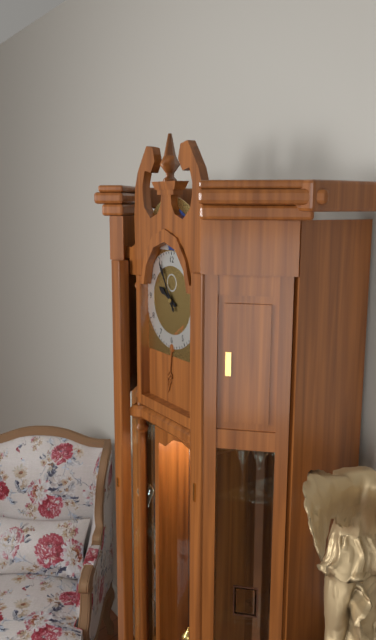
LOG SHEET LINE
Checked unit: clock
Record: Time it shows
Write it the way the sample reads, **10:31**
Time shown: **9:55**
